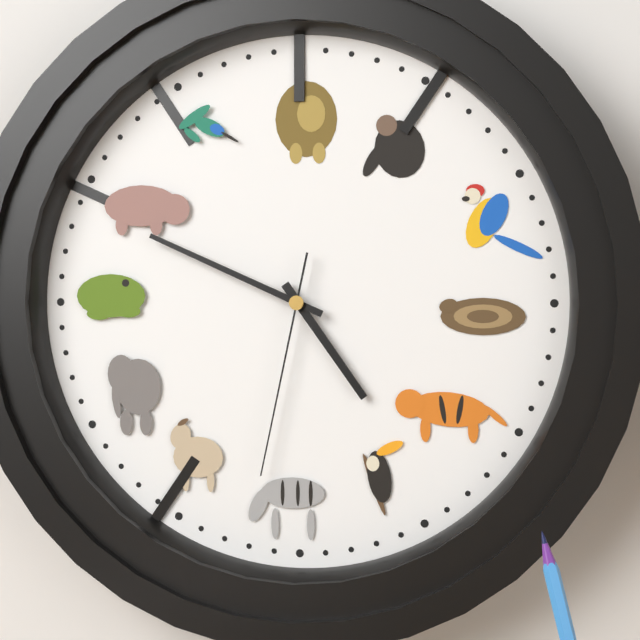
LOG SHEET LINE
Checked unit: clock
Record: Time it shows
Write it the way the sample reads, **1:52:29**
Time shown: **4:49:32**
